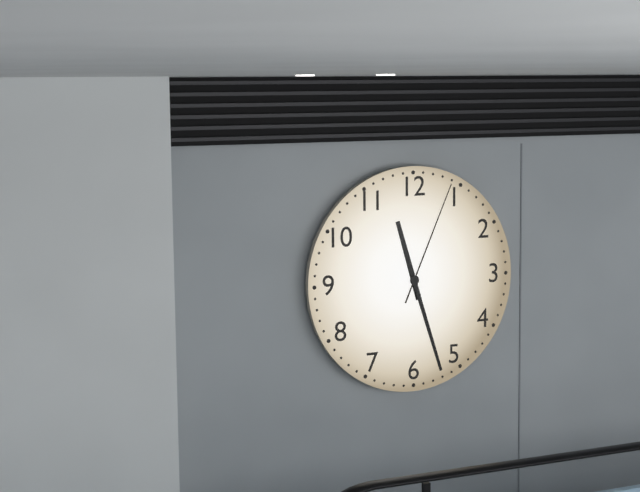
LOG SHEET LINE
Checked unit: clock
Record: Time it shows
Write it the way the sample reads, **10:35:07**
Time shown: **11:27:04**
